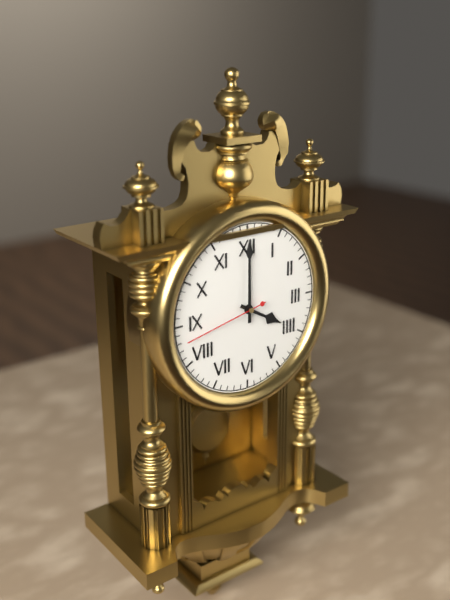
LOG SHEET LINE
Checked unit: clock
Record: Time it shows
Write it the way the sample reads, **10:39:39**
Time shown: **4:00:43**
